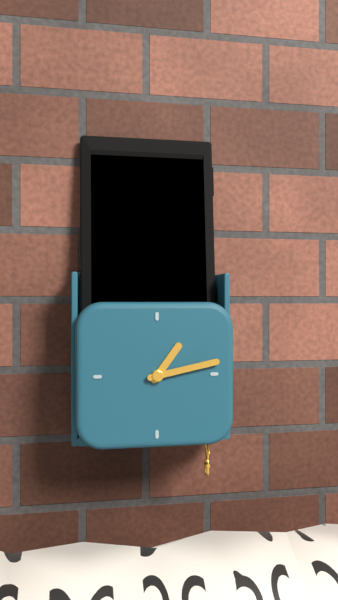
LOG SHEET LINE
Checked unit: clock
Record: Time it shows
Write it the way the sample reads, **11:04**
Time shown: **1:13**
